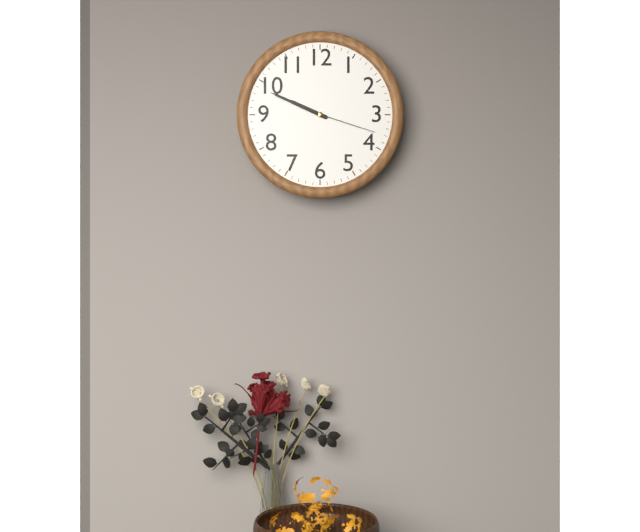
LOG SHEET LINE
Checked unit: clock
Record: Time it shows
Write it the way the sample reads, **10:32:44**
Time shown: **9:49:18**
